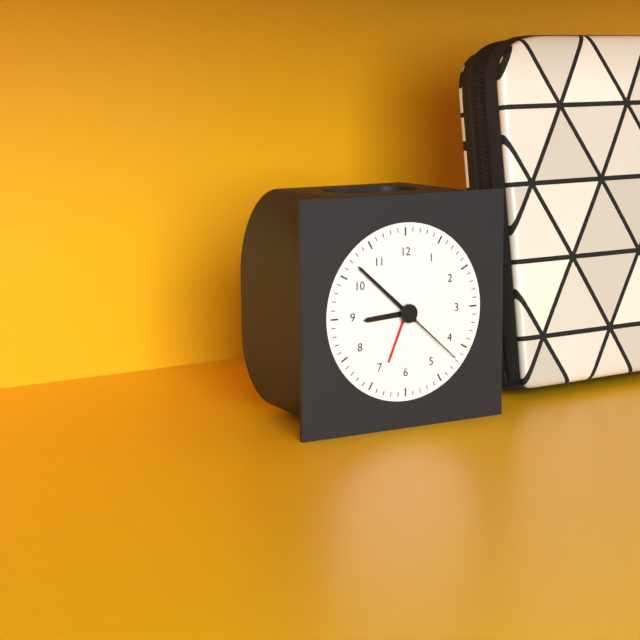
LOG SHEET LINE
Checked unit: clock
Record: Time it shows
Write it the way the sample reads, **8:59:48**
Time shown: **8:52:22**
